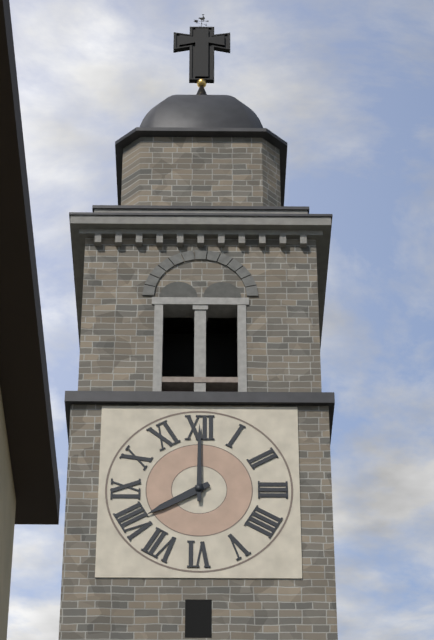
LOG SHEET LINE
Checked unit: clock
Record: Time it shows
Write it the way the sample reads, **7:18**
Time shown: **8:00**
